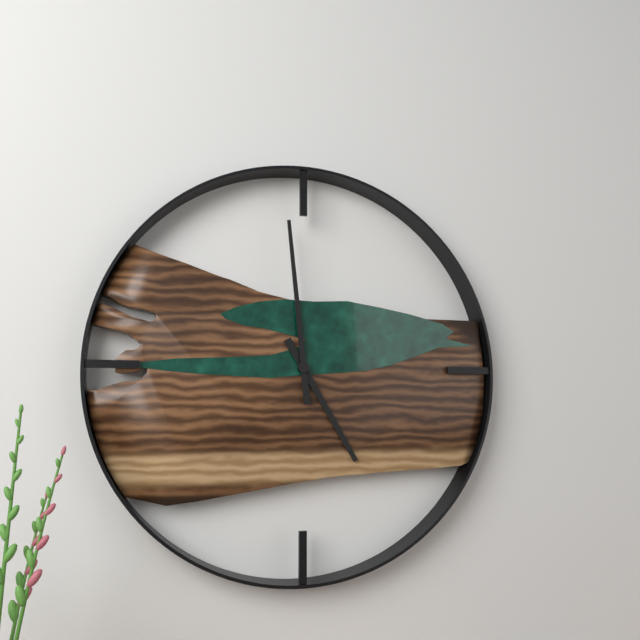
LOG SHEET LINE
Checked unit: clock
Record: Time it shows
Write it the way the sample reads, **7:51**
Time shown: **4:59**
